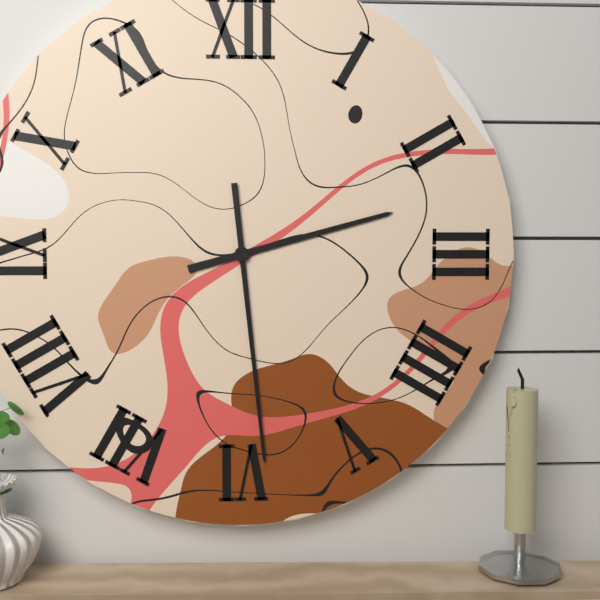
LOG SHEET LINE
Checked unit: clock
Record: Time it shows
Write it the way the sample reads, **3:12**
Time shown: **2:29**
